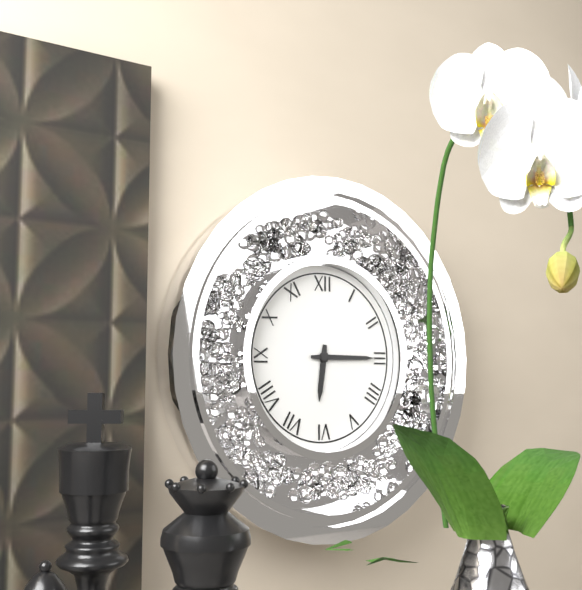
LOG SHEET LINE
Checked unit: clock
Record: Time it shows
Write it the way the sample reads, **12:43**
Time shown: **6:15**
